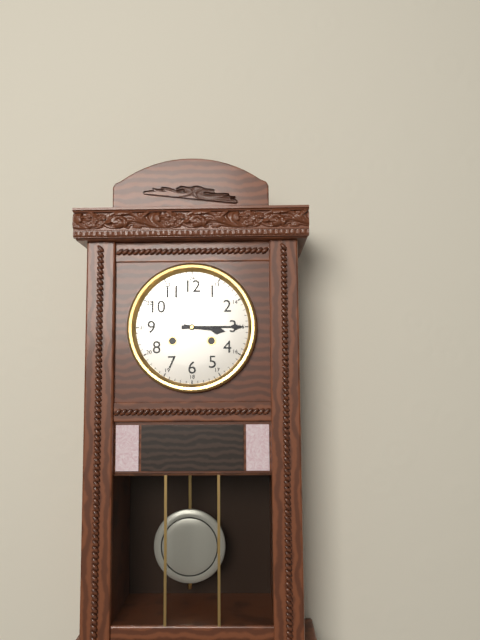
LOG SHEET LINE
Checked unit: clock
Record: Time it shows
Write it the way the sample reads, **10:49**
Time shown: **3:15**
